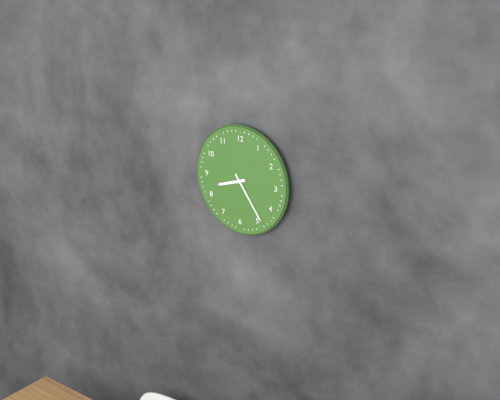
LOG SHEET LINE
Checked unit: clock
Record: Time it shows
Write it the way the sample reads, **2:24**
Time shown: **8:24**
